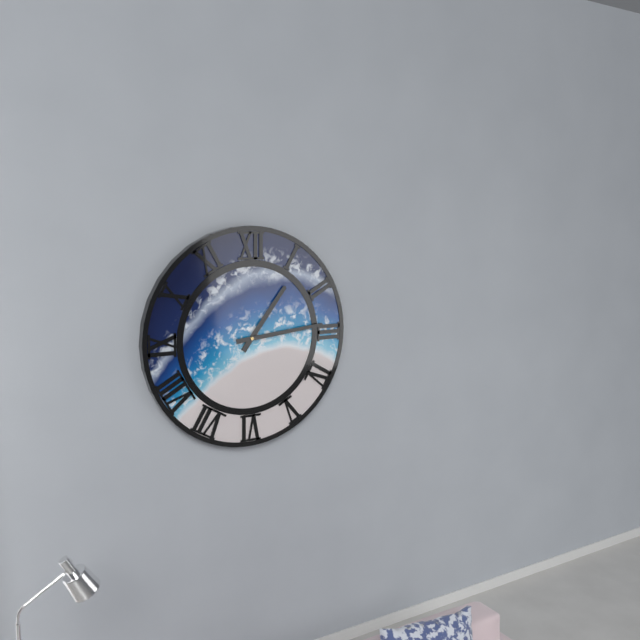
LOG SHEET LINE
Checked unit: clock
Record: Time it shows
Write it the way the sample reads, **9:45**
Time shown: **1:14**
